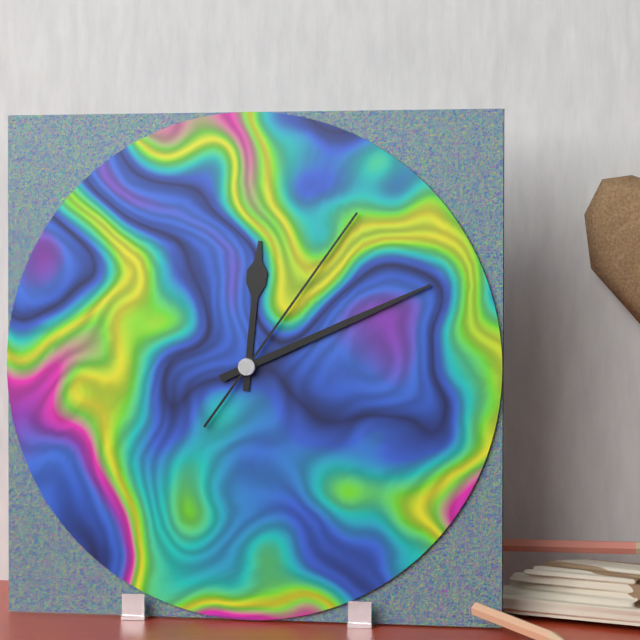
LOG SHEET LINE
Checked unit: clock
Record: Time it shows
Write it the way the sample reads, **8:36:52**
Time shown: **12:11:06**
